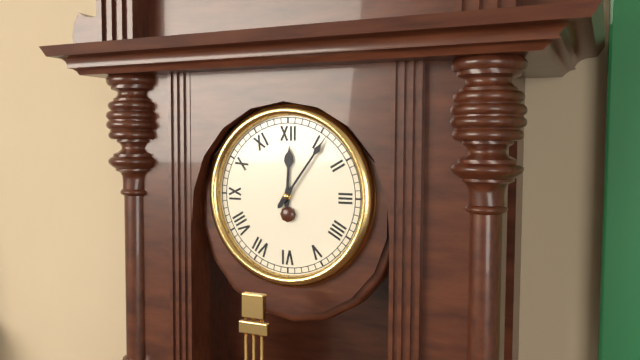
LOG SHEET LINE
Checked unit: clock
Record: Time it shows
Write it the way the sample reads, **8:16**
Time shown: **12:06**
